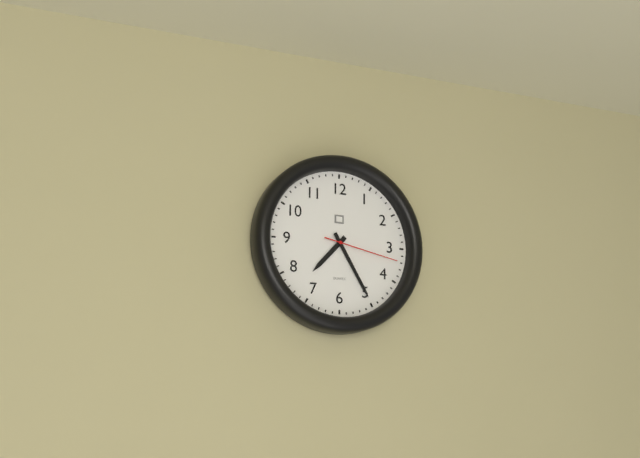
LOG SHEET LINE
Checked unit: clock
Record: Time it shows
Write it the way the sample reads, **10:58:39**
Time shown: **7:25:17**
